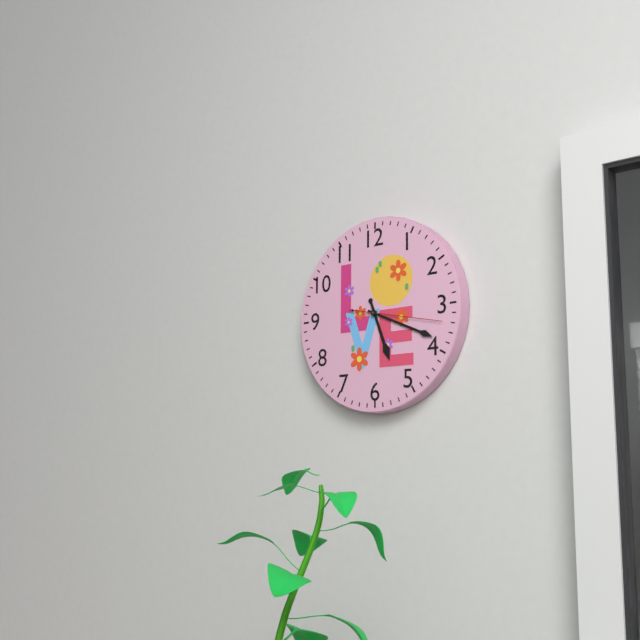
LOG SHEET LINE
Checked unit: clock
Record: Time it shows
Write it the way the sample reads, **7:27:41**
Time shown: **5:19:17**
